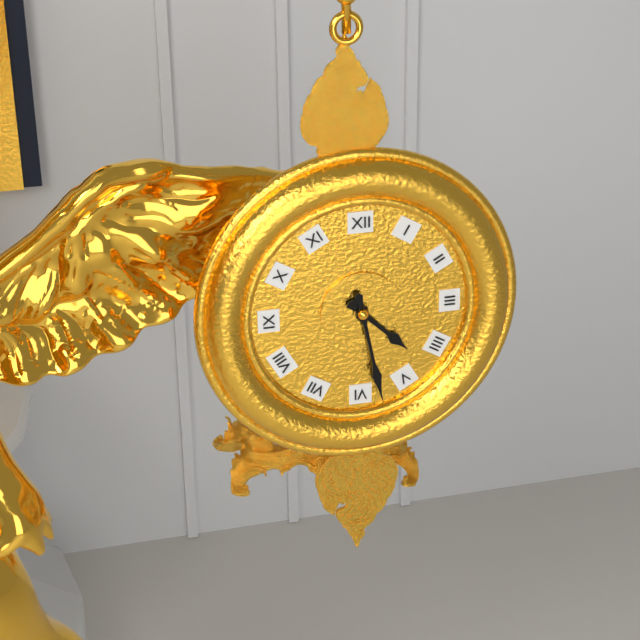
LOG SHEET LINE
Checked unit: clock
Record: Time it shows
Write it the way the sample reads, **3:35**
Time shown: **4:28**
